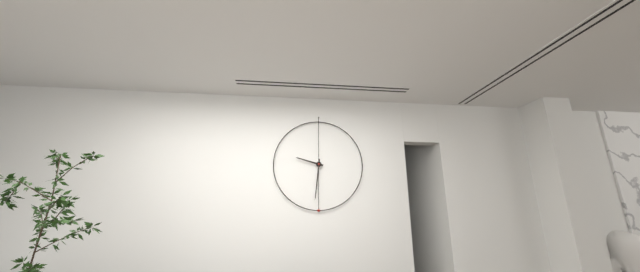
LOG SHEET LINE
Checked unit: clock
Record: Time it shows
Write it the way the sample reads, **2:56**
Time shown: **9:31**
